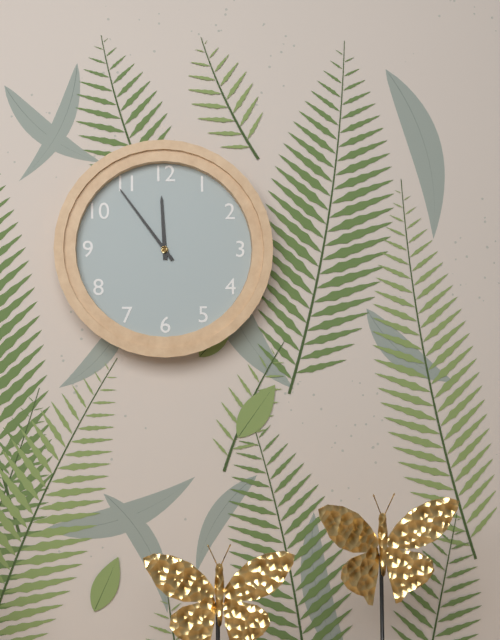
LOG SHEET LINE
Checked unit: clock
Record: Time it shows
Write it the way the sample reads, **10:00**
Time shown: **11:54**
